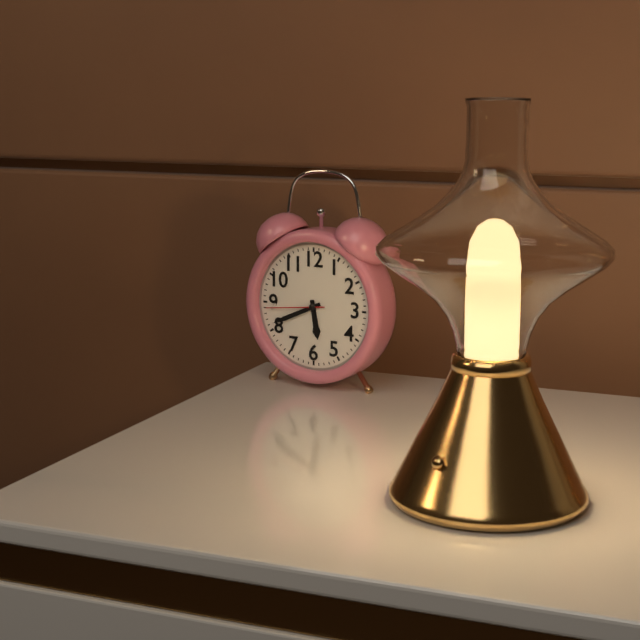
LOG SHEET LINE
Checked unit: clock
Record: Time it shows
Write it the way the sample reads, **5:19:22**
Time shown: **5:41:44**
